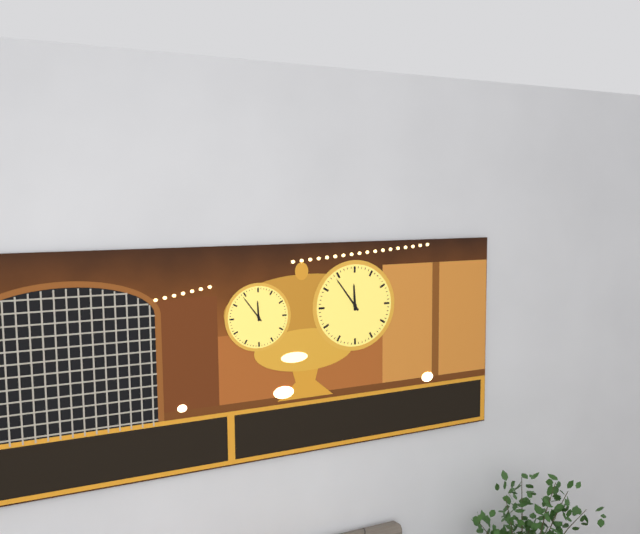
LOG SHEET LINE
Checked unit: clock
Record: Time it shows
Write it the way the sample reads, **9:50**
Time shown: **11:54**
